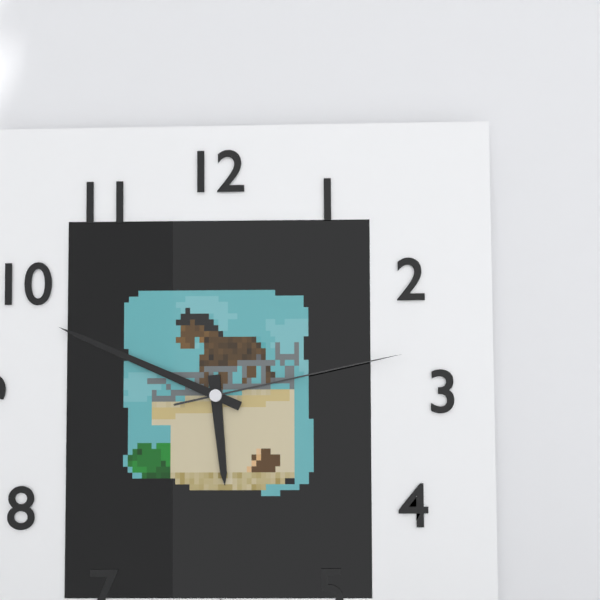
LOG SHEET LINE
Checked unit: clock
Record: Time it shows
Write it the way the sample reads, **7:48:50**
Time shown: **5:49:13**
